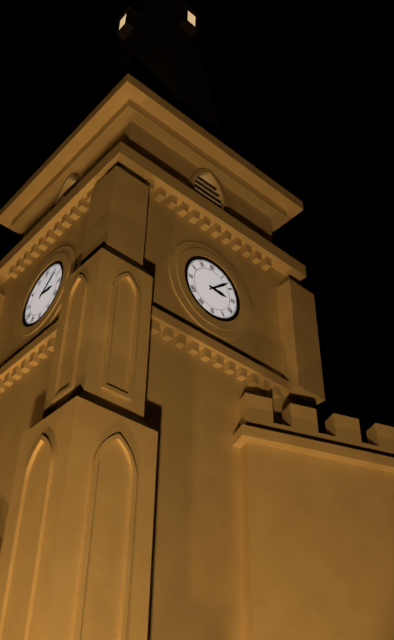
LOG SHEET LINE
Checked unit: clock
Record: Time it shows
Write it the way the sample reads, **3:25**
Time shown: **3:08**
